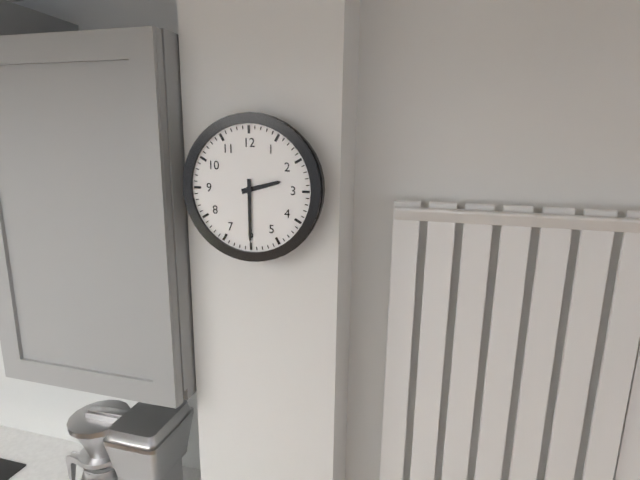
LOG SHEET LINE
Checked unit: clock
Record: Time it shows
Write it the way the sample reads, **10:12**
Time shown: **2:30**
